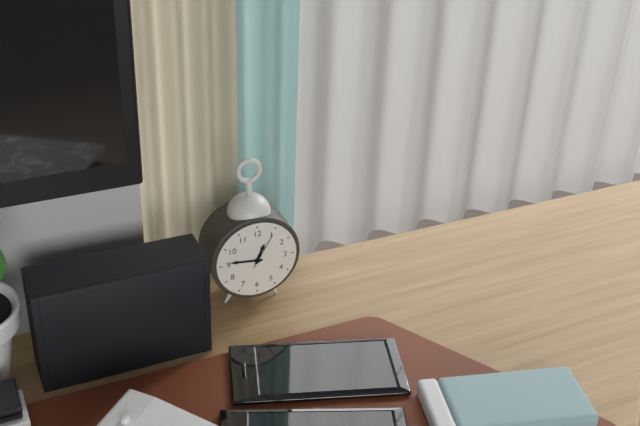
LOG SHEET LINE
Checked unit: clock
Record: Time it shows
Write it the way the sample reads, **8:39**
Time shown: **12:46**
